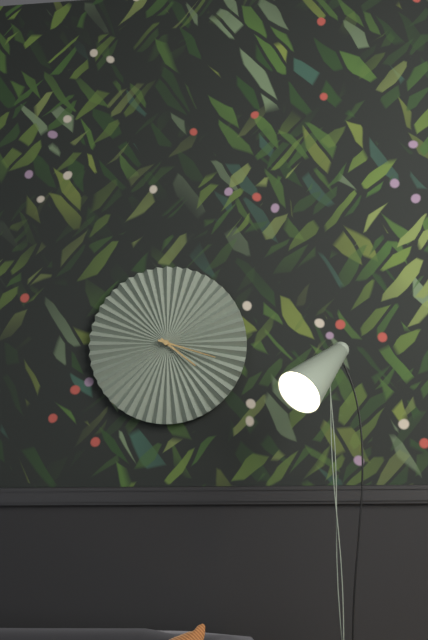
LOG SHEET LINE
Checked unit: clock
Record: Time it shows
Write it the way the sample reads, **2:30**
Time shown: **4:18**
